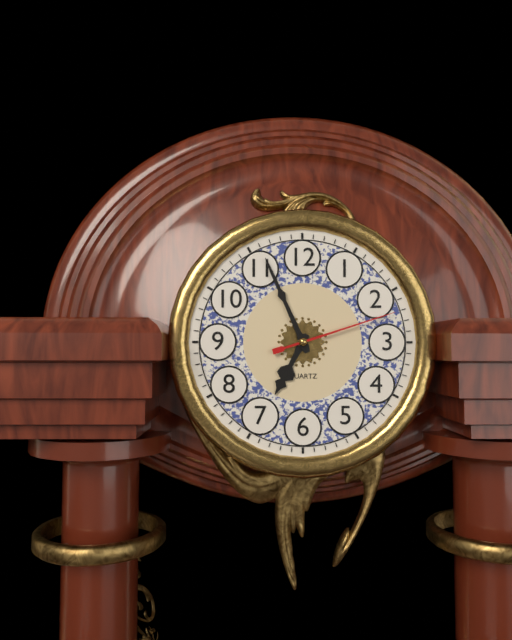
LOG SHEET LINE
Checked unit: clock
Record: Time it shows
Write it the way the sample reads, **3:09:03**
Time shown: **6:56:12**
